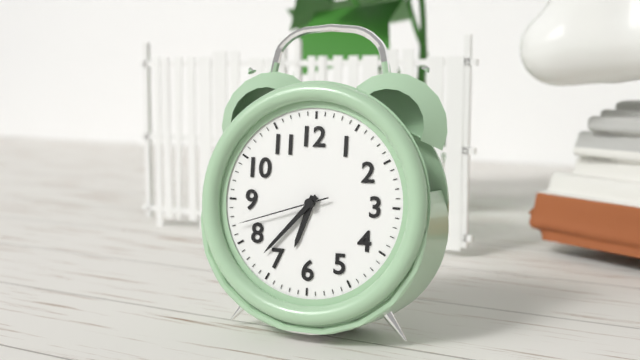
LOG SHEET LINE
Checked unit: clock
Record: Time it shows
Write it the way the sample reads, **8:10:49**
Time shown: **6:37:42**
